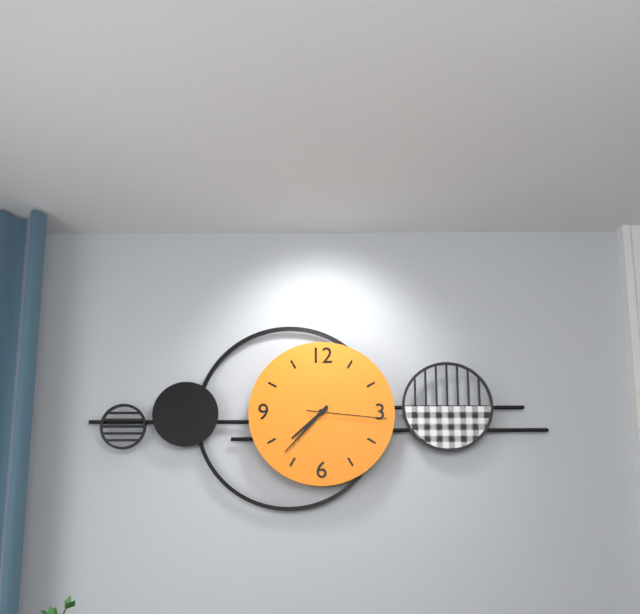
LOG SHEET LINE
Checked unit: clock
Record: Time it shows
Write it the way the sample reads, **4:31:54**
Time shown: **7:37:16**
